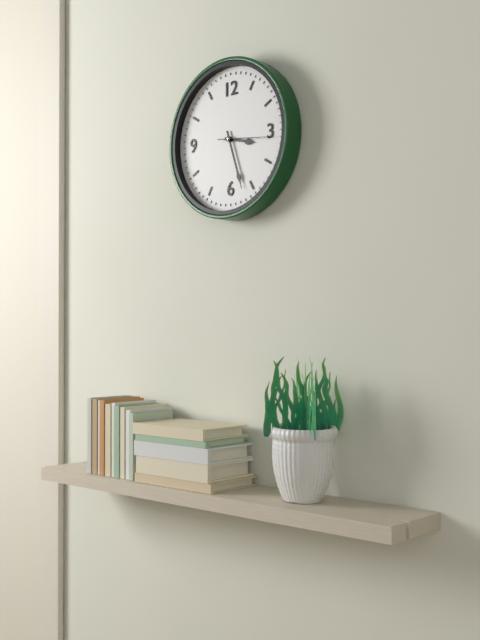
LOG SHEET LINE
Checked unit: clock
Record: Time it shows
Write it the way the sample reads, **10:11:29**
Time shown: **3:27:16**
